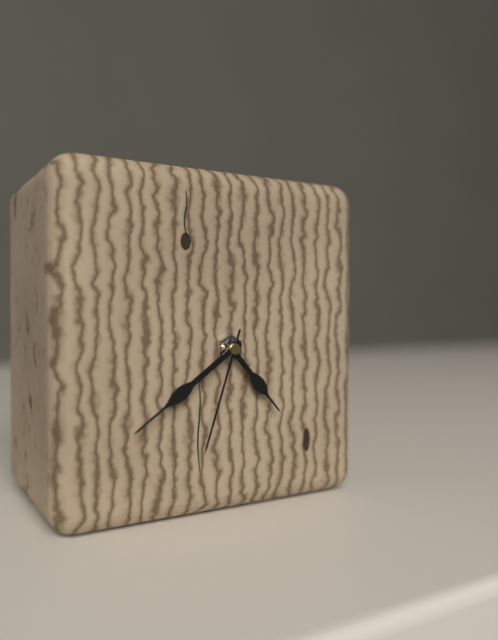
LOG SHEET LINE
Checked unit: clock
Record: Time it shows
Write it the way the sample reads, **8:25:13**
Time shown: **4:39:33**
